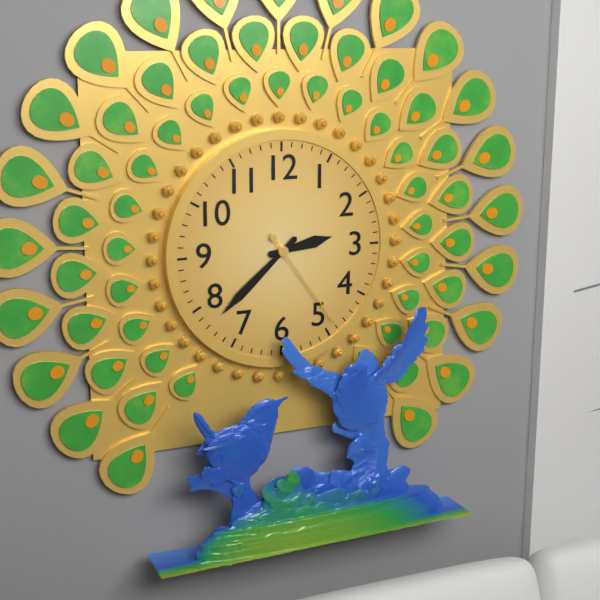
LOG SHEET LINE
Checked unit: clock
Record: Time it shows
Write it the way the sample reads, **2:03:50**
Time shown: **2:38:24**
